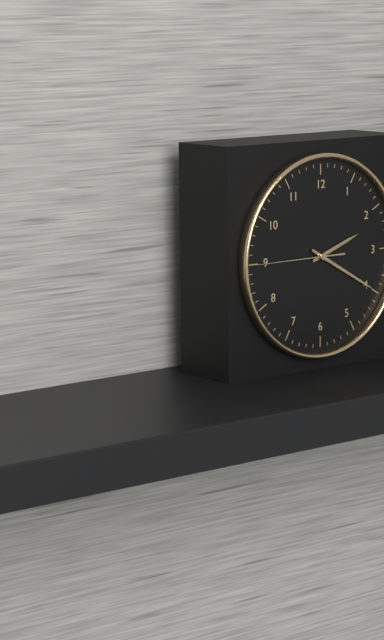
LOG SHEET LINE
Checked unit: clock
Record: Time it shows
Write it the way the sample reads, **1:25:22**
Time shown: **2:20:45**
